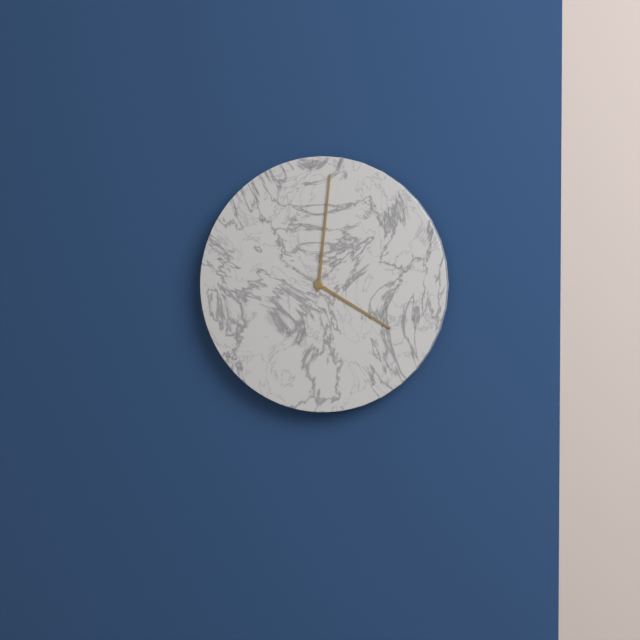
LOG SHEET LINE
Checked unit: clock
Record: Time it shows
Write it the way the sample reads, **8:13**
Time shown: **4:01**
